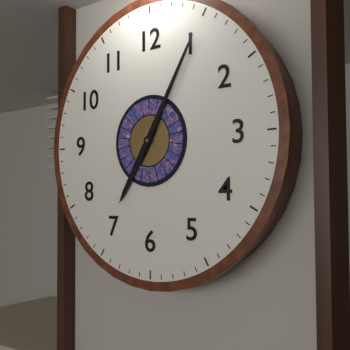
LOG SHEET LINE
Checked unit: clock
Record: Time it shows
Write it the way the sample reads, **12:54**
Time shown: **7:05**
